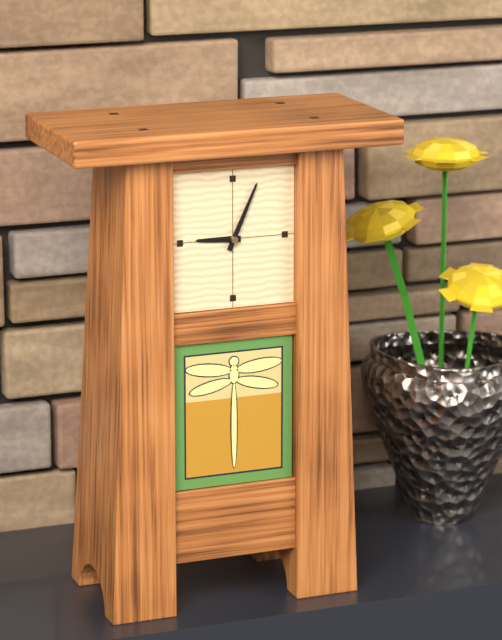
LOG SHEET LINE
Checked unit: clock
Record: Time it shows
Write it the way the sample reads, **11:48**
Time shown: **9:04**
